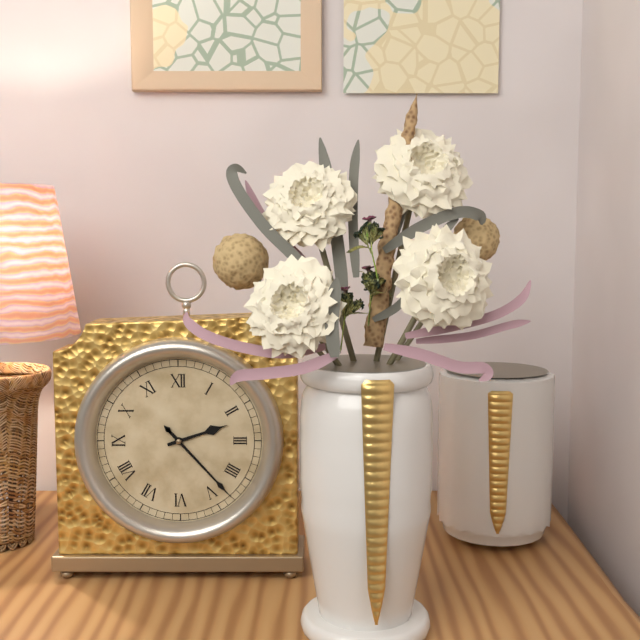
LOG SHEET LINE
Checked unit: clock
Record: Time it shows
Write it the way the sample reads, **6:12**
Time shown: **2:23**
